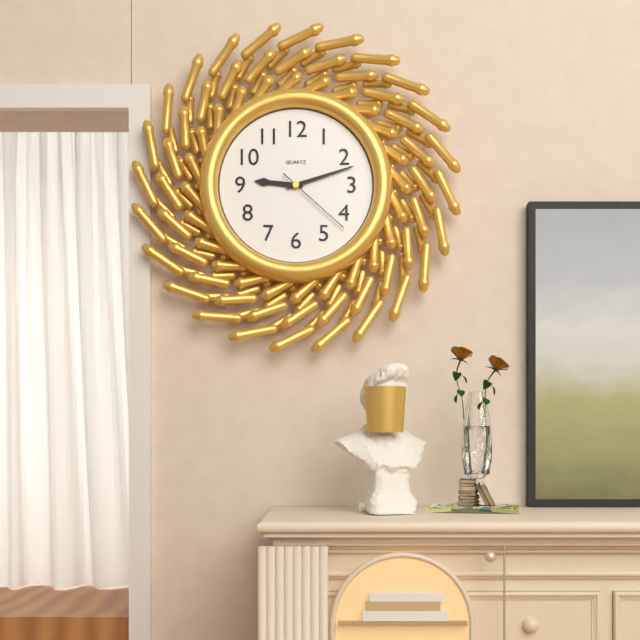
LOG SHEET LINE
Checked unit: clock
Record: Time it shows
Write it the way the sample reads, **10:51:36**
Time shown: **9:12:22**
